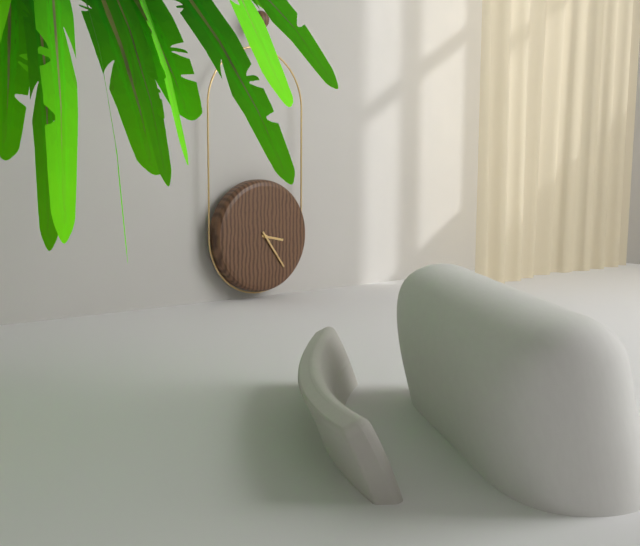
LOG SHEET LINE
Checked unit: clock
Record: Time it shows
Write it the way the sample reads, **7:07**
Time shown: **3:24**
